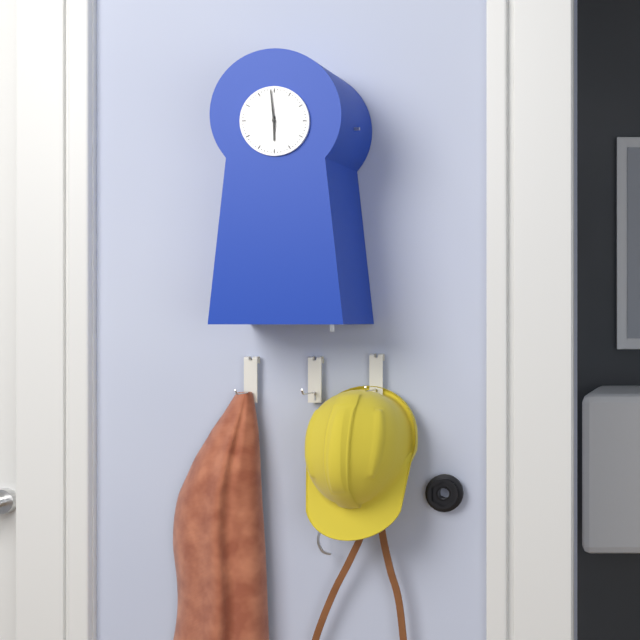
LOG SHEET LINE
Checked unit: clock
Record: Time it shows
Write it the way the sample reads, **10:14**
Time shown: **5:59**
